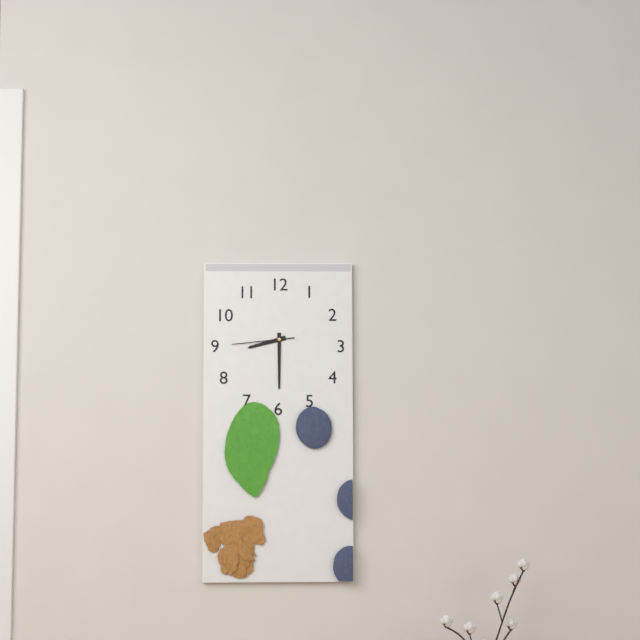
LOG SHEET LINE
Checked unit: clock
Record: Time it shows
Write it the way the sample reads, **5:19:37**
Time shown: **8:30:44**
